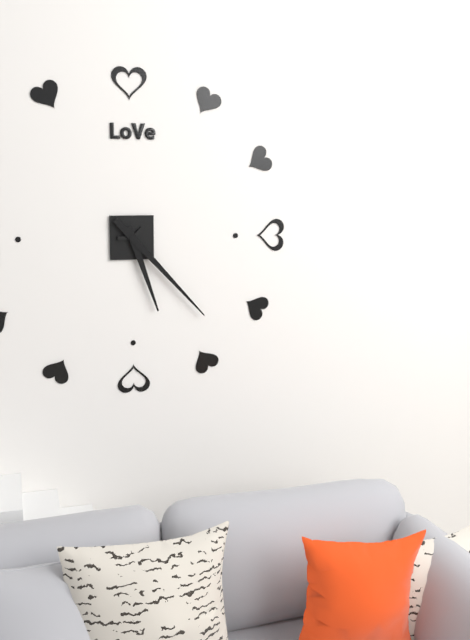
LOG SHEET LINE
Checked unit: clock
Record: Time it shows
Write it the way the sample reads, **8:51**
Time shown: **5:23**
